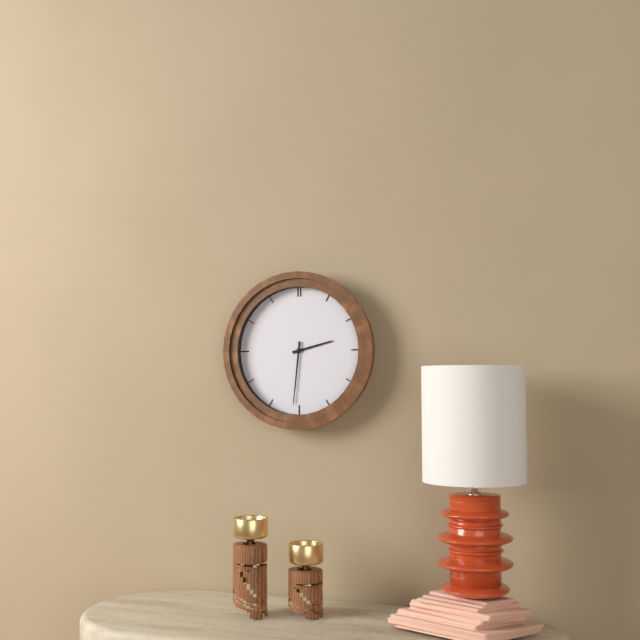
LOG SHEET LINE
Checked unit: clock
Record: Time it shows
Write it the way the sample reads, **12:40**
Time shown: **2:31**
